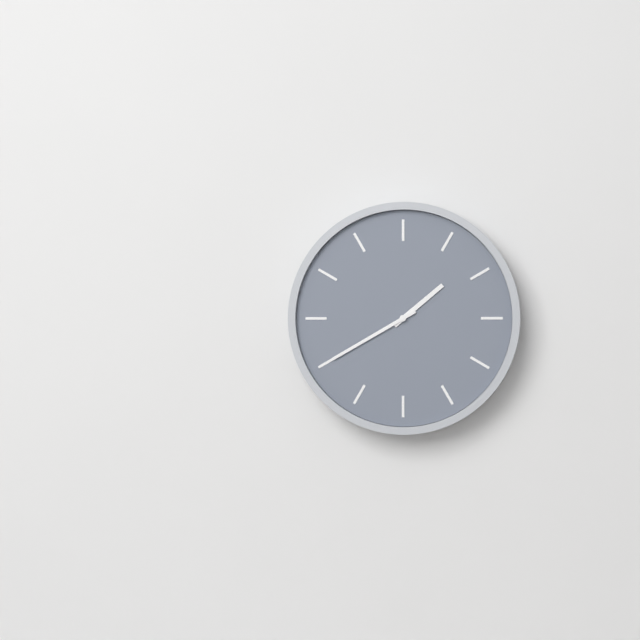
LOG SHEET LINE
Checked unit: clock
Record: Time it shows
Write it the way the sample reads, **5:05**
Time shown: **1:40**
